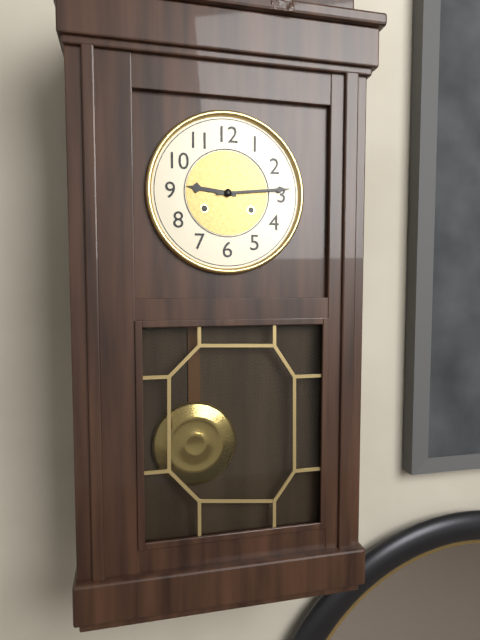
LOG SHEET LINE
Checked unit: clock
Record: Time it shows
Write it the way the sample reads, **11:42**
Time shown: **9:14**
